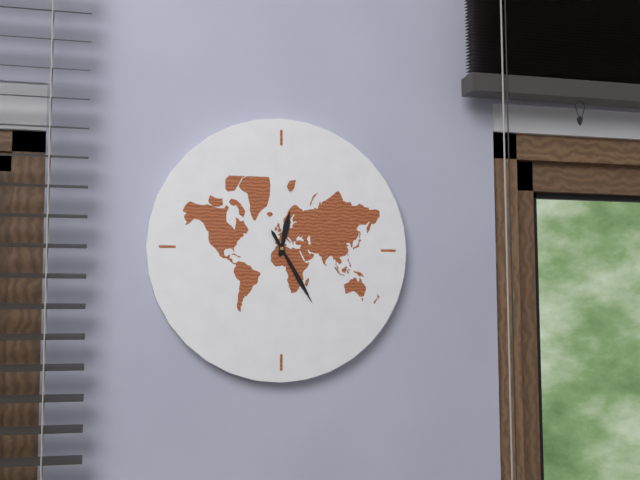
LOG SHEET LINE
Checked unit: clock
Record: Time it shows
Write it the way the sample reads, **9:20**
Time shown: **12:25**
